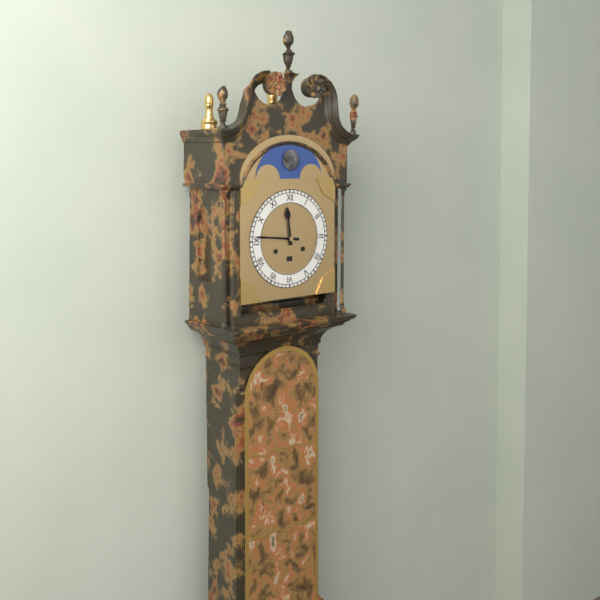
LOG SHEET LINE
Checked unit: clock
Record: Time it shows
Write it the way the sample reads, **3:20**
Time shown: **11:46**
